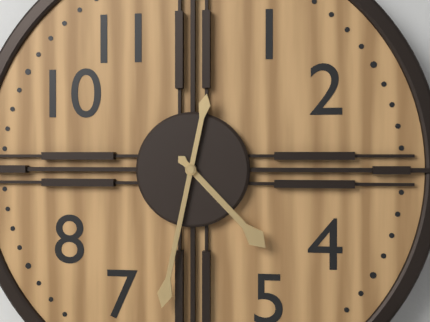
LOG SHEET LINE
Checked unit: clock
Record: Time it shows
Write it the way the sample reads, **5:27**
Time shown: **4:32**
